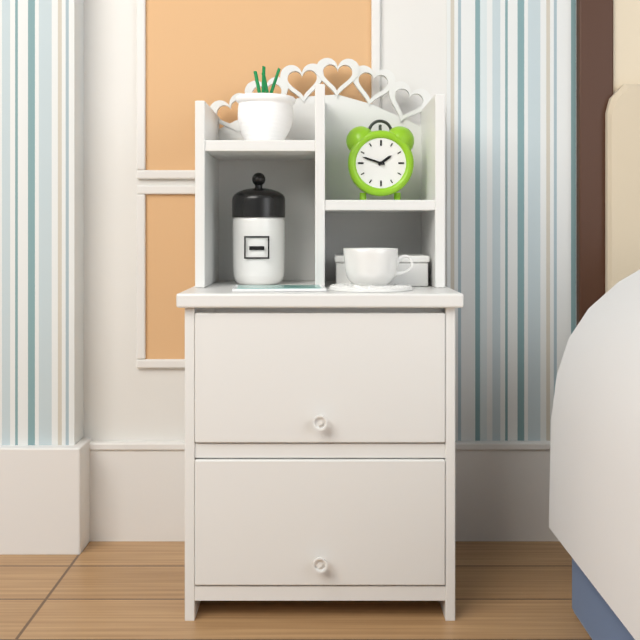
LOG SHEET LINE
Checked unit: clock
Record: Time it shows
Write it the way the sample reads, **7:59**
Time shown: **1:48**
